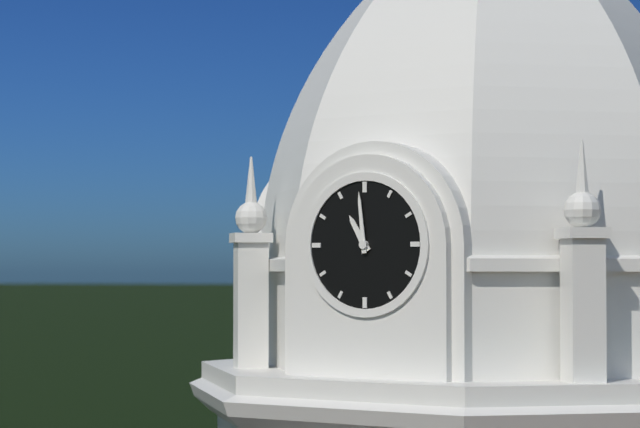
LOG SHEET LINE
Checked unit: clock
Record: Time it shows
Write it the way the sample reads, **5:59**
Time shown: **10:59**
